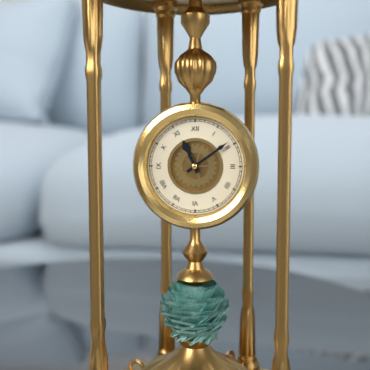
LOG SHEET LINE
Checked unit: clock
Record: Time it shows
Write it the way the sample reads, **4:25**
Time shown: **11:09**
